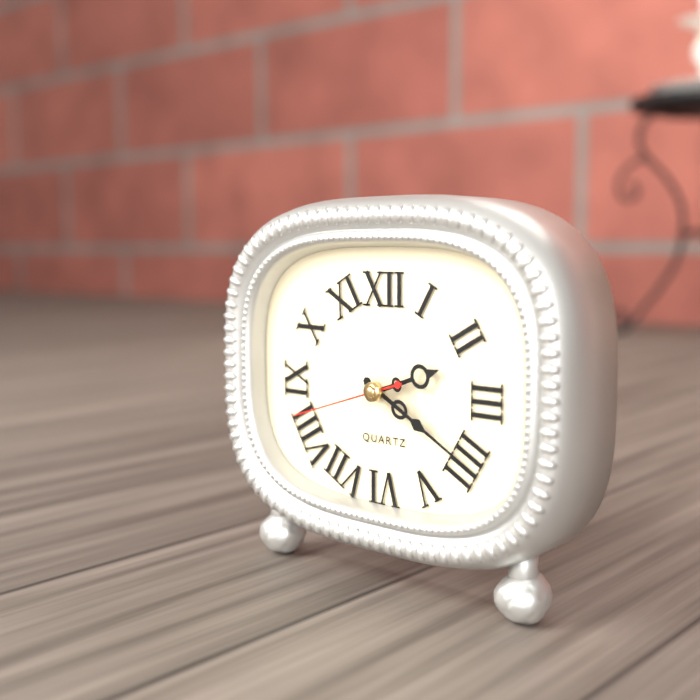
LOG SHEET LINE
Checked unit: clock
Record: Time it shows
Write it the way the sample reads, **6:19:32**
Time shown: **2:20:42**
